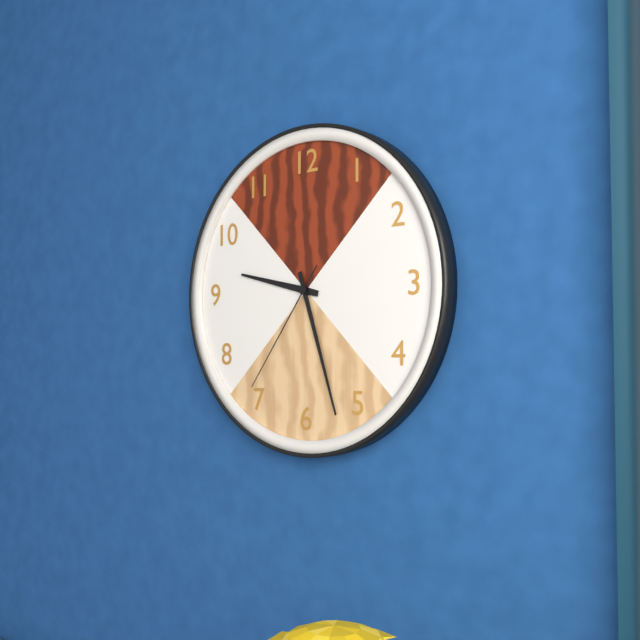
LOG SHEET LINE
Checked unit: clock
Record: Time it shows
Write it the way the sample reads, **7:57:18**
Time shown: **9:27:36**
